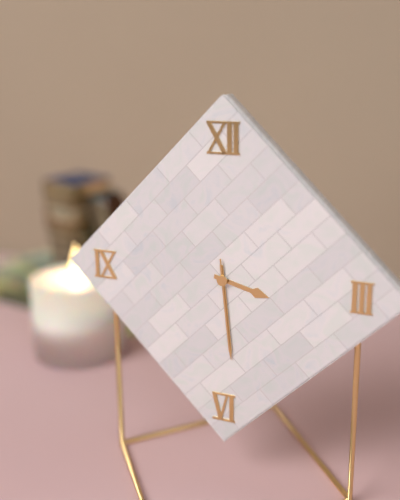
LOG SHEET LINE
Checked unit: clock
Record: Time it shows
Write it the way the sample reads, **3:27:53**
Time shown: **3:29:29**
